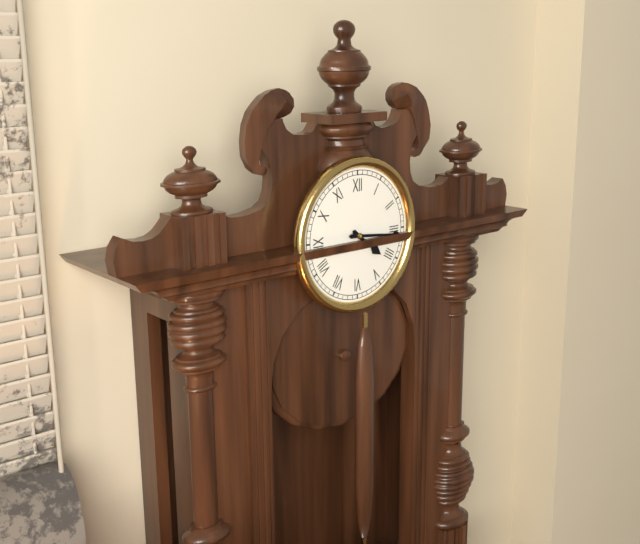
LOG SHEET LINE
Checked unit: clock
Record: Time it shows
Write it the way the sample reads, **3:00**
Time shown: **4:16**
